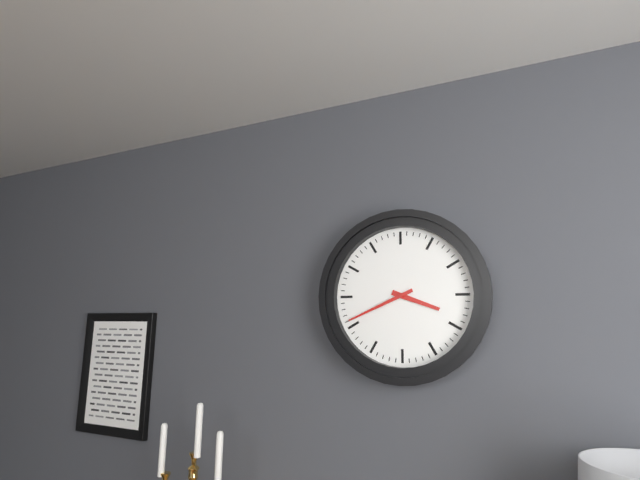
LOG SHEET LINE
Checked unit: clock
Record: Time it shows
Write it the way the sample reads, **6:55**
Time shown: **3:41**
